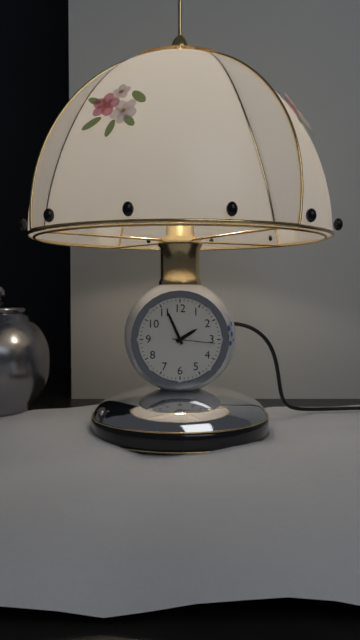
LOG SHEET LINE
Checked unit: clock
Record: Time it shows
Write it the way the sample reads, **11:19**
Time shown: **1:56**
